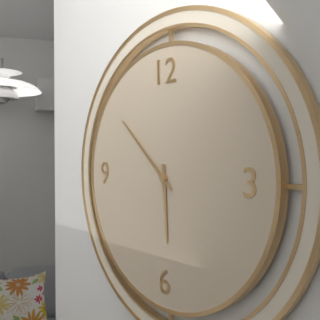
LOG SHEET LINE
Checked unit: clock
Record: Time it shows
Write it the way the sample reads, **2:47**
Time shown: **5:52**
